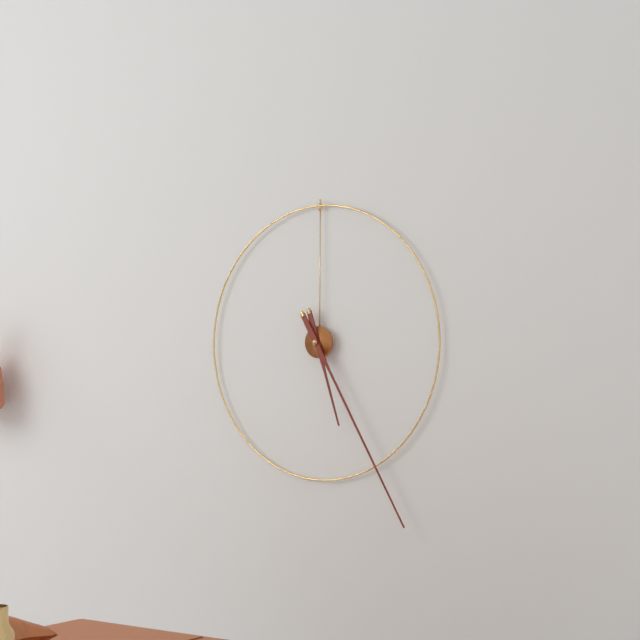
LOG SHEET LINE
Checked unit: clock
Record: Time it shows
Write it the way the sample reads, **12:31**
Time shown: **5:25**
